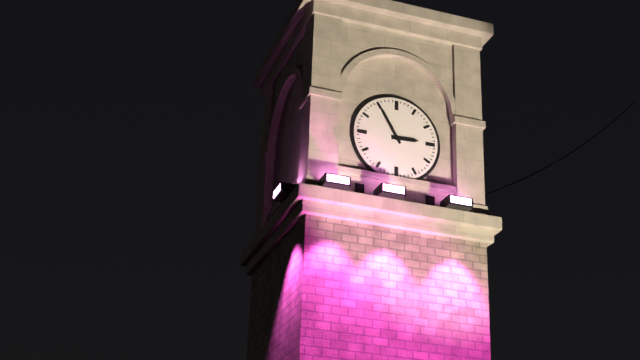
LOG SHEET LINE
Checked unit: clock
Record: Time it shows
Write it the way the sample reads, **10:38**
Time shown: **2:55**
